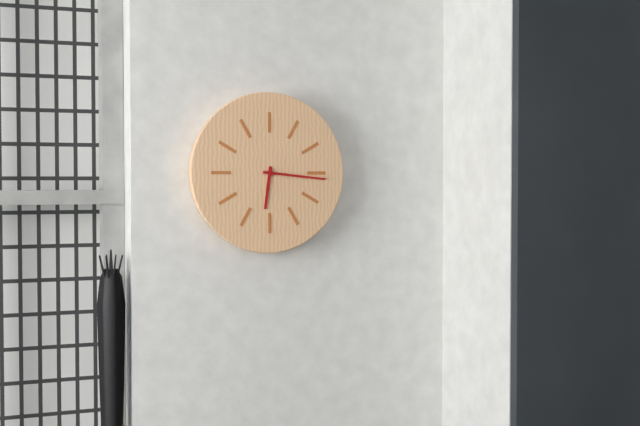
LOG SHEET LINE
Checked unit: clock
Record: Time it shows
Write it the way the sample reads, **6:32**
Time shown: **6:16**
